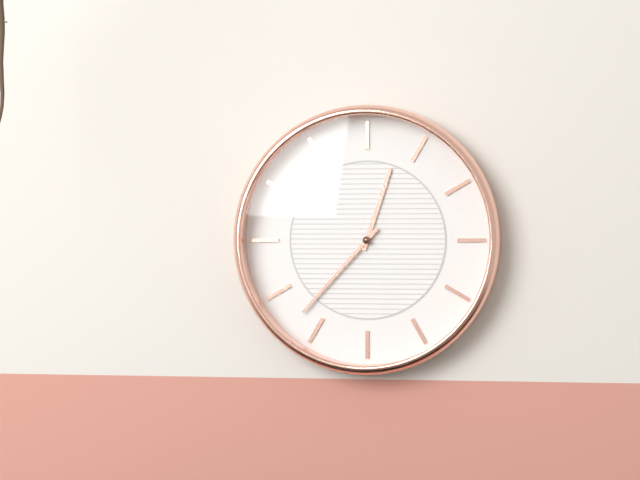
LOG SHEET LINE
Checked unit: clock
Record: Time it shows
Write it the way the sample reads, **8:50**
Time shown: **12:37**
